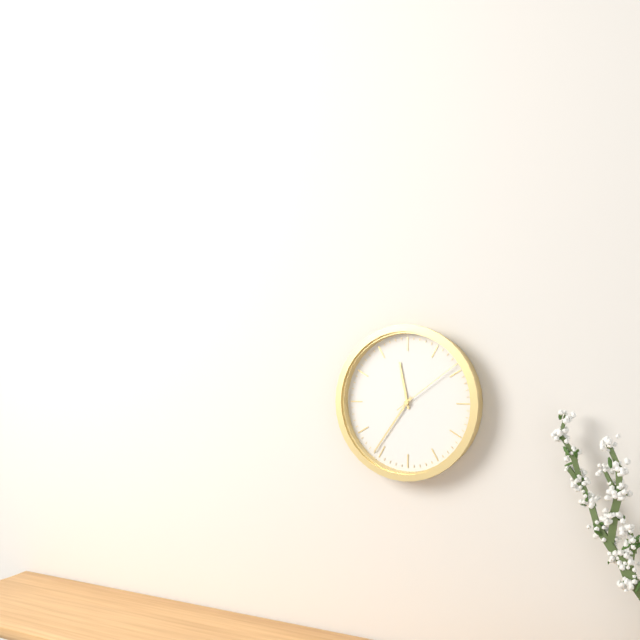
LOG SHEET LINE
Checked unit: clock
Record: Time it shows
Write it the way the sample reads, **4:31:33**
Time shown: **11:36:09**
